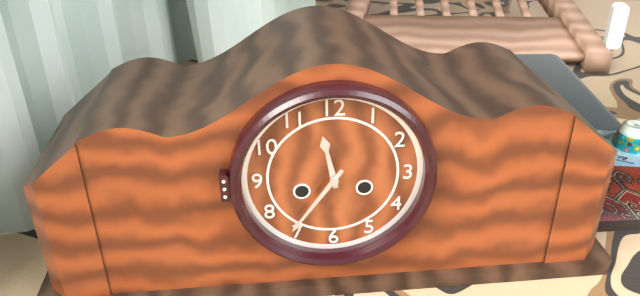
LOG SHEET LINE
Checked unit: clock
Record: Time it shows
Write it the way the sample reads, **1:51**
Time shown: **11:36**
